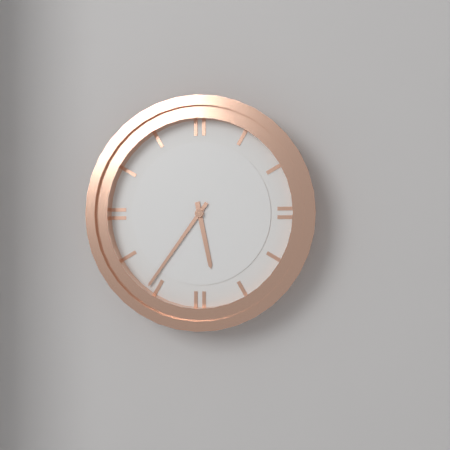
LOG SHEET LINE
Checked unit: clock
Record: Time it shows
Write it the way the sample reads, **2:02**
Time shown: **5:36**
